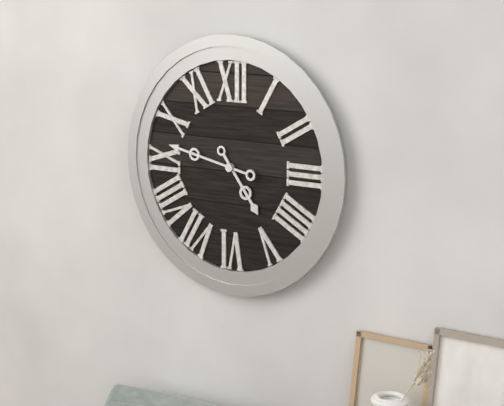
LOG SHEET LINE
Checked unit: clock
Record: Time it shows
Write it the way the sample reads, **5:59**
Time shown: **4:47**
